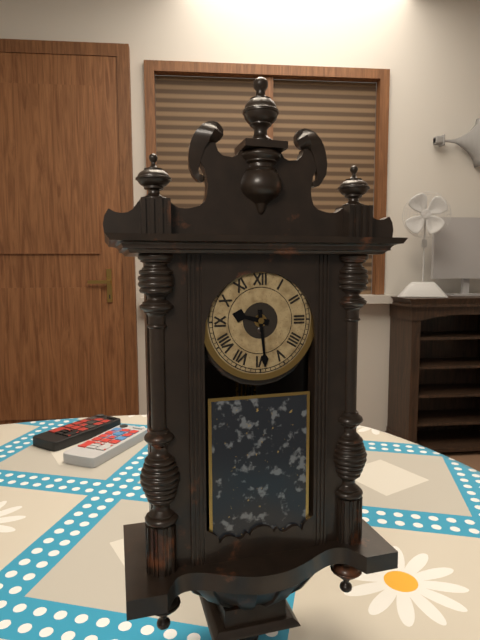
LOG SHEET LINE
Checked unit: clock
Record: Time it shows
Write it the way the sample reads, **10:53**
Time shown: **9:29**
